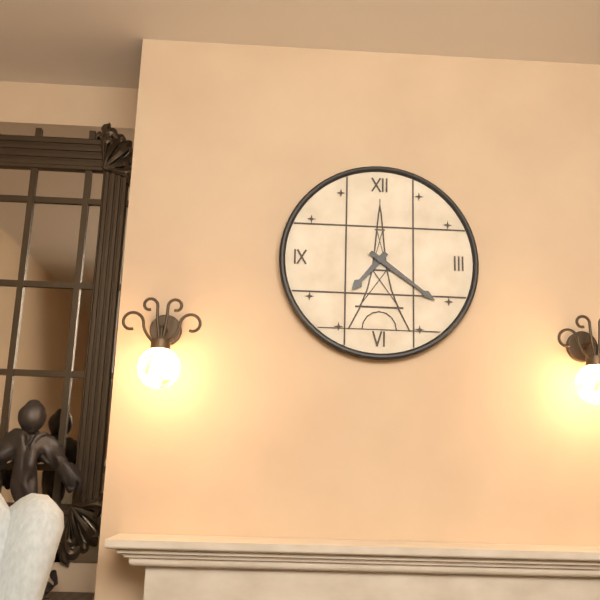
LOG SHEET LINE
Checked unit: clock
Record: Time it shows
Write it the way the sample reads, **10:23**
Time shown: **7:21**
